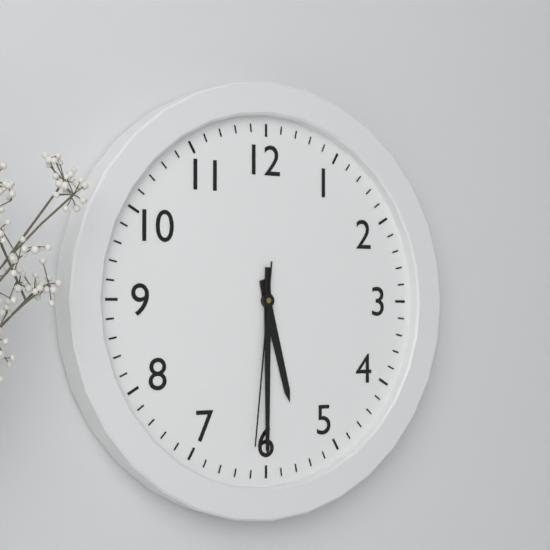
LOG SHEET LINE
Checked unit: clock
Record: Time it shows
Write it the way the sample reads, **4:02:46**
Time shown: **5:30:31**
